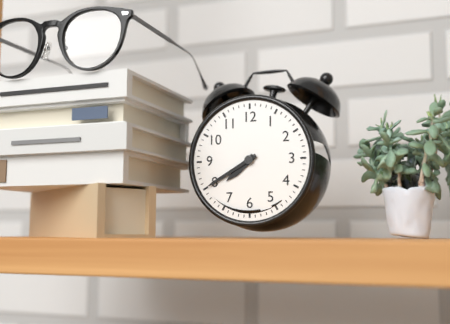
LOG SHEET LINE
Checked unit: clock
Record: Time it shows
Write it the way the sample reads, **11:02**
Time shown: **7:40**
